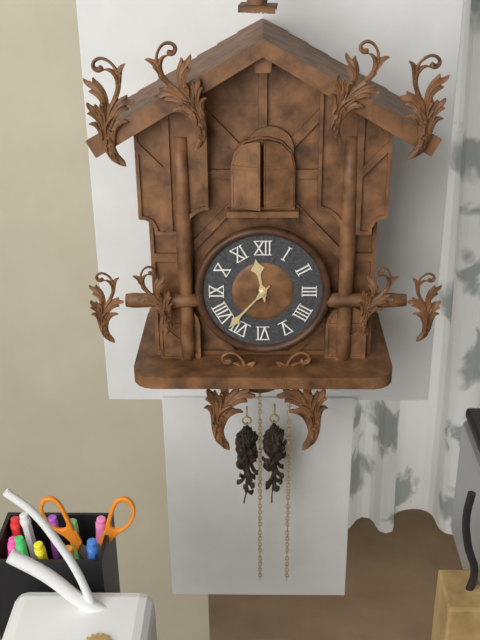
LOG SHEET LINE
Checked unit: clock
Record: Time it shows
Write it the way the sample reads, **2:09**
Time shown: **11:37**
